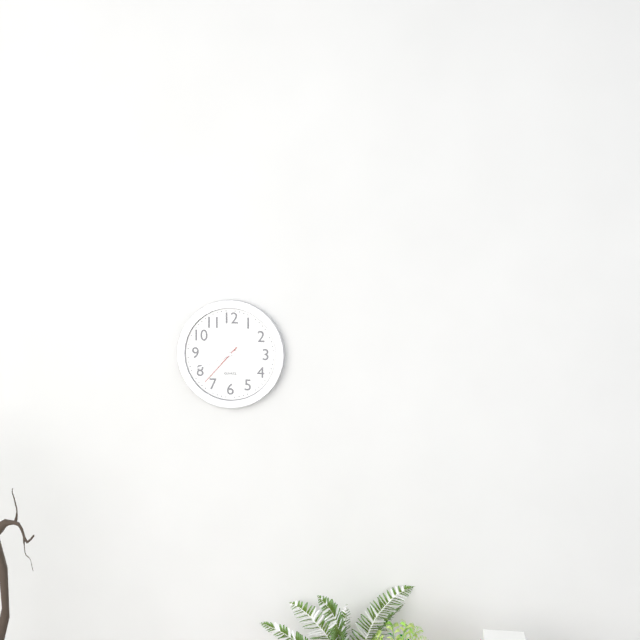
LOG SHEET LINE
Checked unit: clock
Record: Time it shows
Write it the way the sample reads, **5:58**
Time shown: **2:41**
